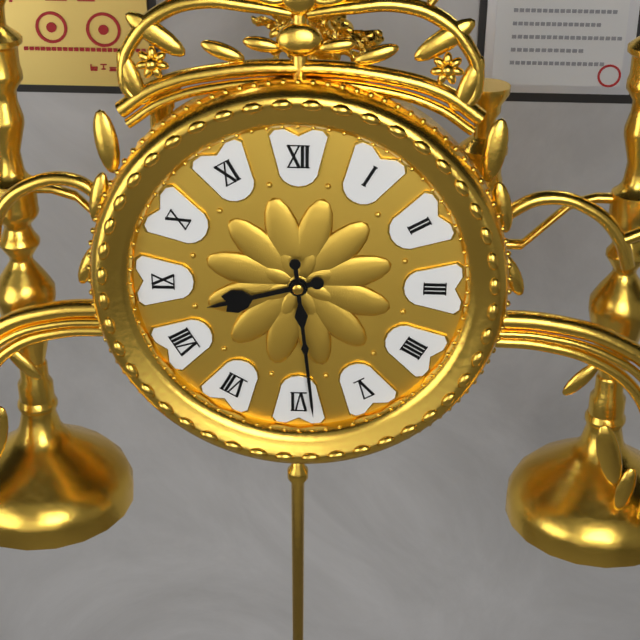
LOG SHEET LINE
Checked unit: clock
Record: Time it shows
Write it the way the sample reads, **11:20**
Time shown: **8:29**
